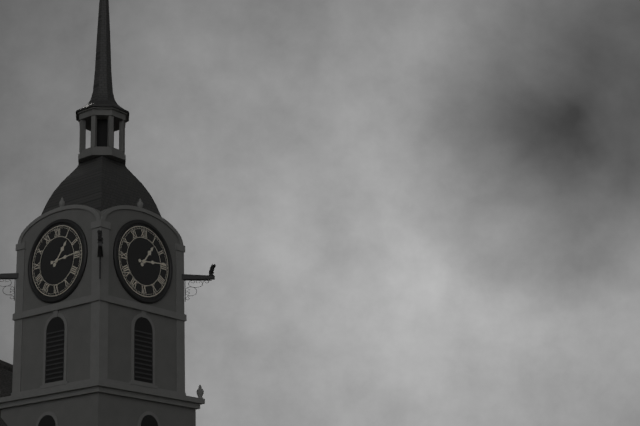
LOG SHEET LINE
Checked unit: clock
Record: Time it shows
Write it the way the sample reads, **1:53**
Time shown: **1:14**
